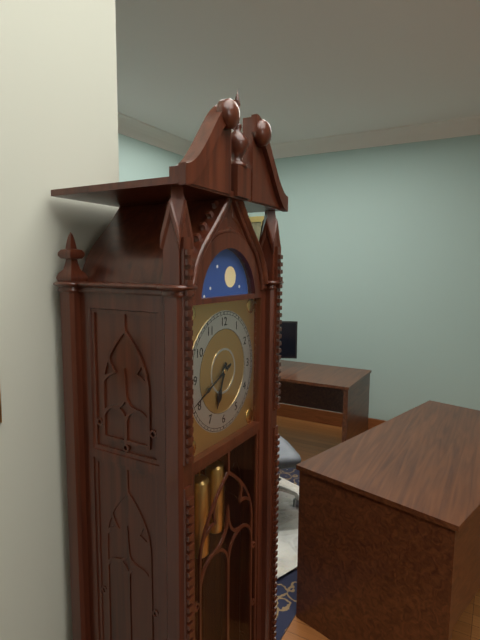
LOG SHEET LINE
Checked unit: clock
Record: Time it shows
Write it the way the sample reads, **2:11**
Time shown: **6:41**
